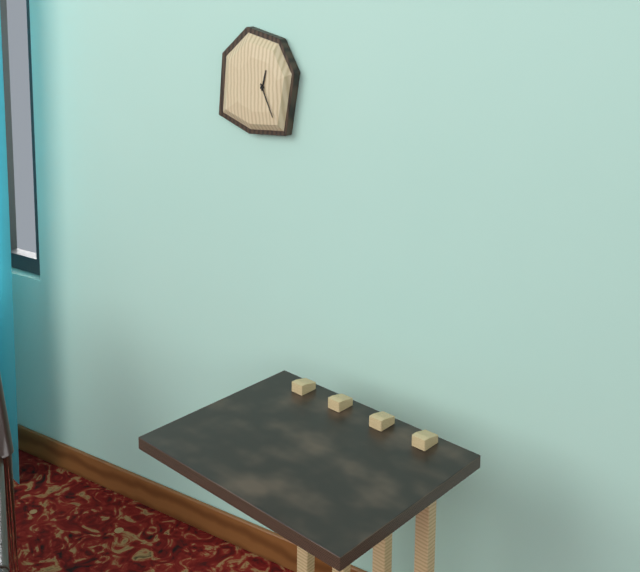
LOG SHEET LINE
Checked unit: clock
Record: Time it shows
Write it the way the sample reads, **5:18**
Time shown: **12:26**
